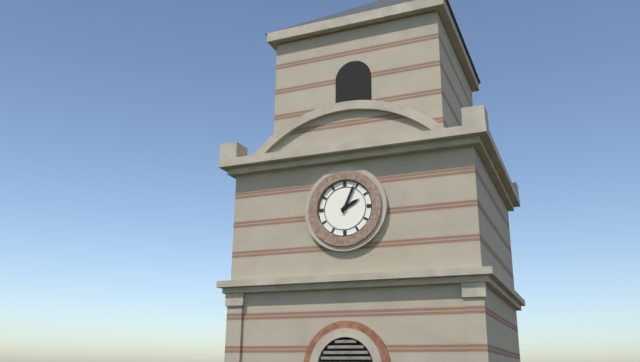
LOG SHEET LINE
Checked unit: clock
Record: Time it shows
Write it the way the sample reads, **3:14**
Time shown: **2:04**
